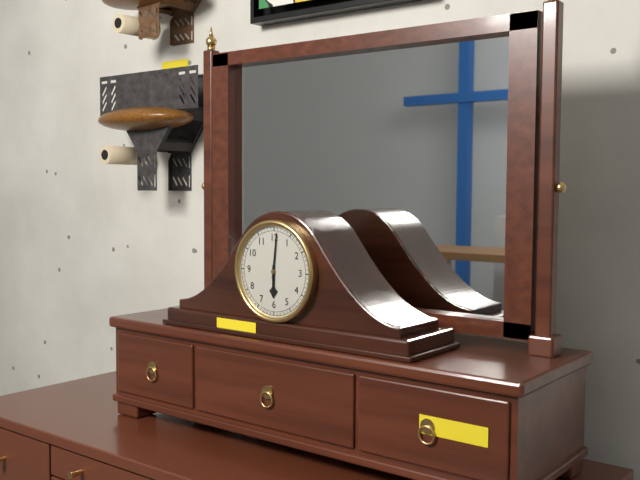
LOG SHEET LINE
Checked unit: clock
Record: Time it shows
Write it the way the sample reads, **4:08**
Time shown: **6:01**
